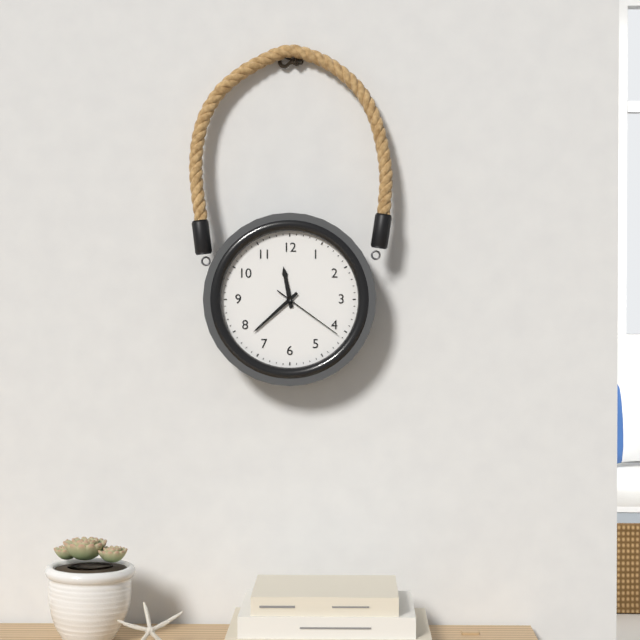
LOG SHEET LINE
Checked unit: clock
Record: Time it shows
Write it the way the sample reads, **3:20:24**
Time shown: **11:38:21**
